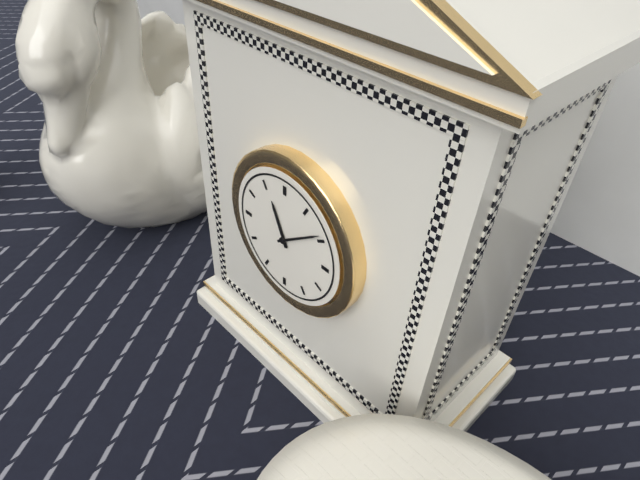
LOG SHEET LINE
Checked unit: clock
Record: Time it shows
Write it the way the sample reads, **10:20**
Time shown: **11:09**
